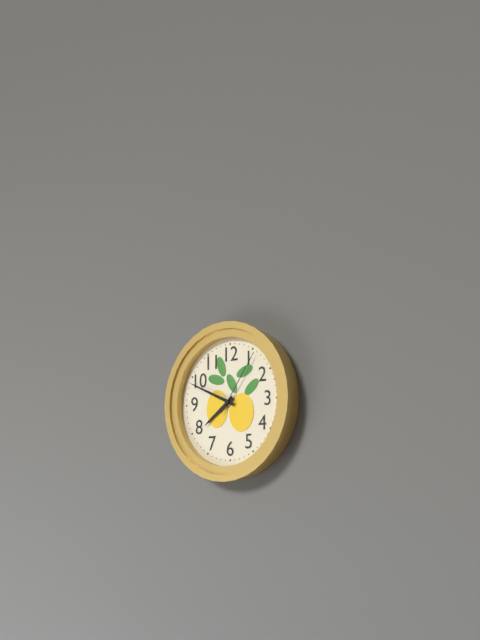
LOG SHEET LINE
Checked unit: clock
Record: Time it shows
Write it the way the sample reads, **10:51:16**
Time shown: **7:49:06**
